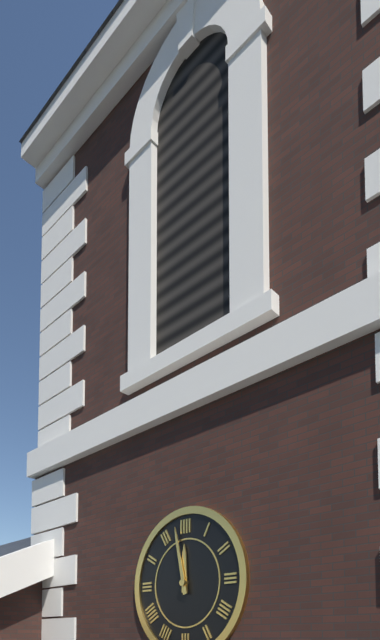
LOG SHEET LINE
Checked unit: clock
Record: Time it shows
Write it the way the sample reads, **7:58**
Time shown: **11:58**
